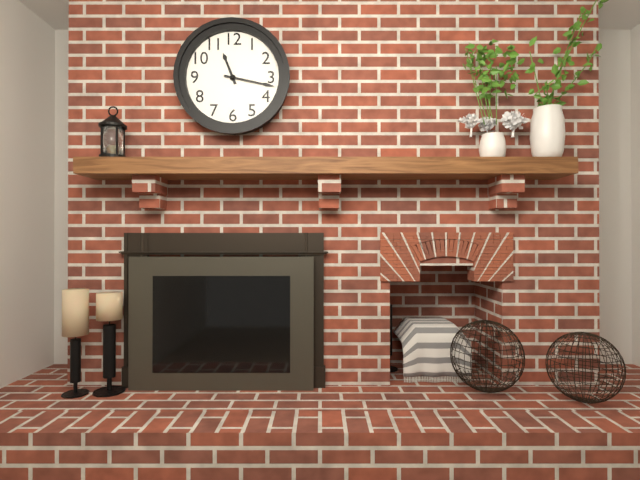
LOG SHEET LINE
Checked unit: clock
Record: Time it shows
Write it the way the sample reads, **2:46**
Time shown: **11:17**
